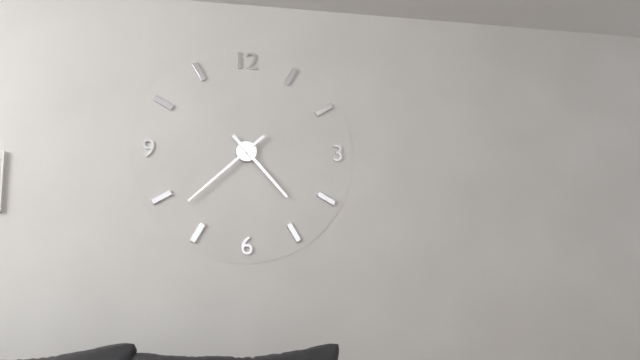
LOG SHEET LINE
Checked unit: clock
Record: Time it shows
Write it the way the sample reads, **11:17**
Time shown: **4:38**
